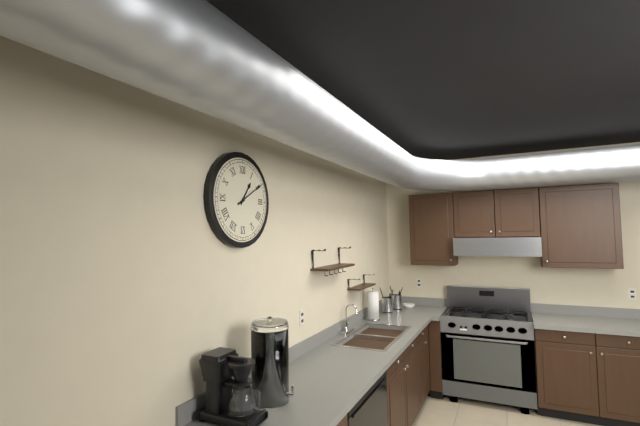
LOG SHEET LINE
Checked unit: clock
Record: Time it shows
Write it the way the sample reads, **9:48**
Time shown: **1:10**
